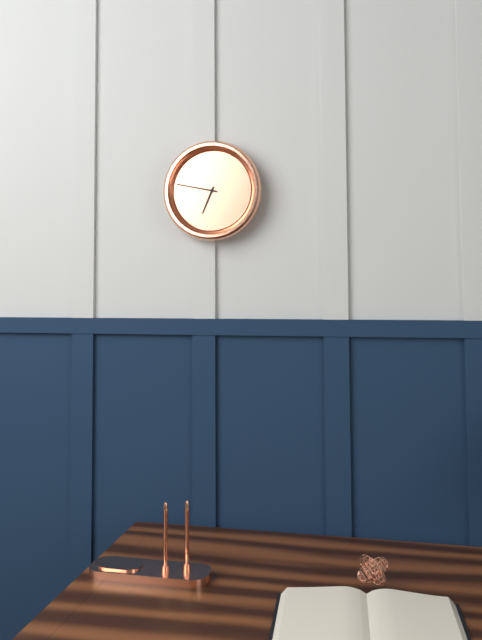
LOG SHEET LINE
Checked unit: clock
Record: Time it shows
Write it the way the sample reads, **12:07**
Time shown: **6:47**
